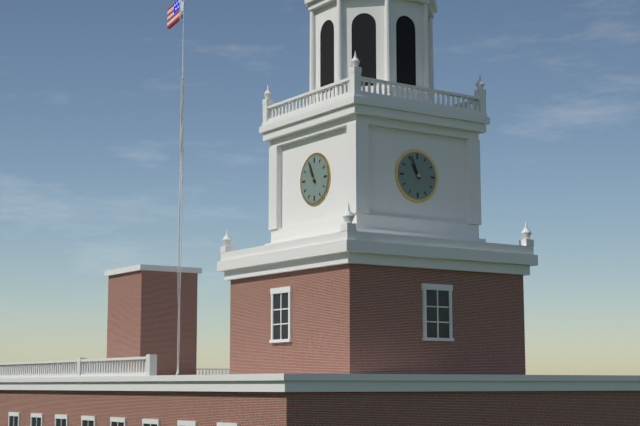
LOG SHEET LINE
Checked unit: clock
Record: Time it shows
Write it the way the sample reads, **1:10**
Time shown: **10:56**
